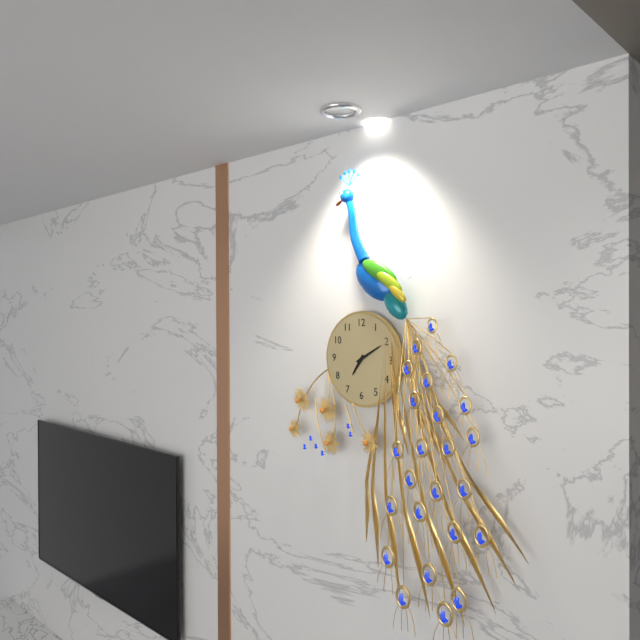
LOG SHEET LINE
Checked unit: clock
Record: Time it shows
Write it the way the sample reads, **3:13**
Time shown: **7:10**
